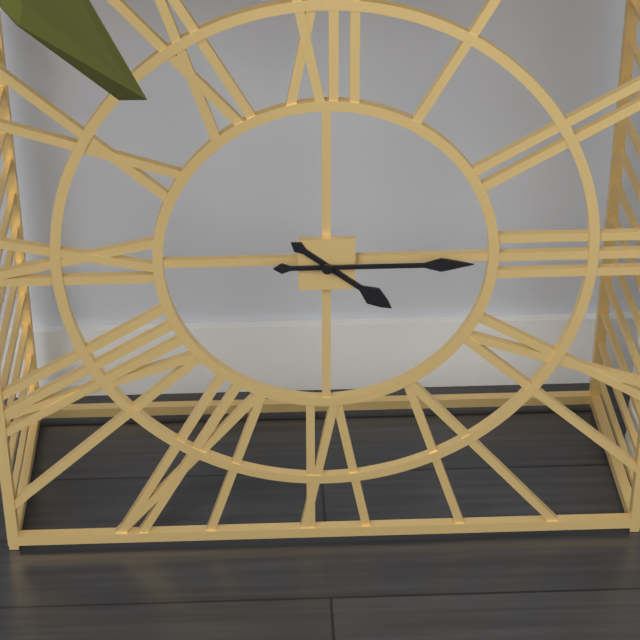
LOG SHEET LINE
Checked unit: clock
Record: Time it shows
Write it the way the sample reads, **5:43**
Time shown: **4:15**
